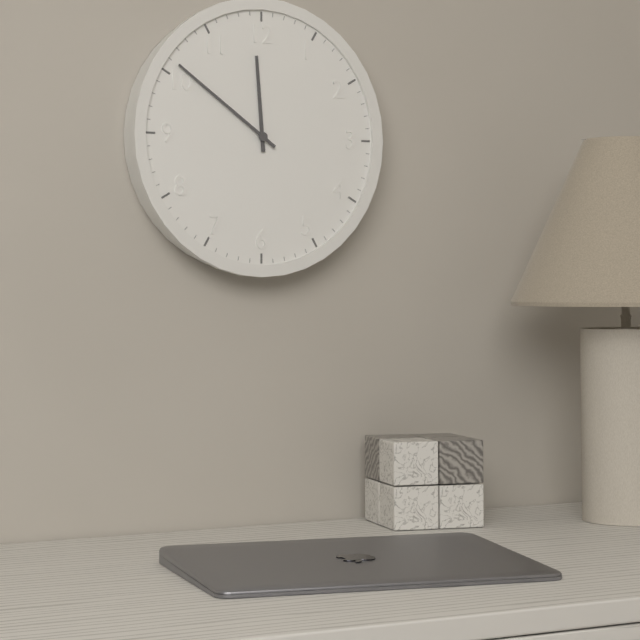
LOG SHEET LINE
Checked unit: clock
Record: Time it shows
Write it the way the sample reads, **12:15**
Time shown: **11:51**
